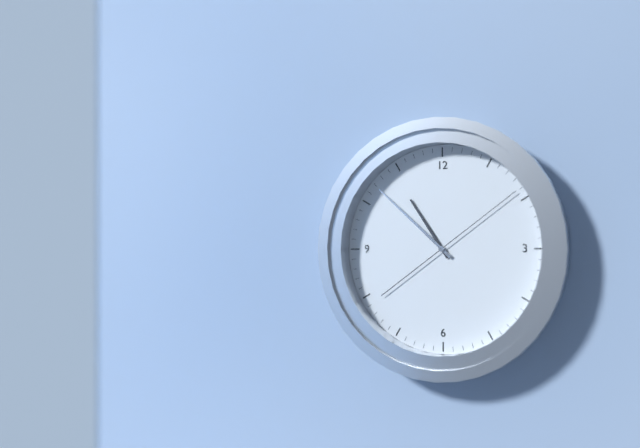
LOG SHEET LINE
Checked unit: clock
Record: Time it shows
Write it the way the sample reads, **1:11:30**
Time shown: **10:52:09**
